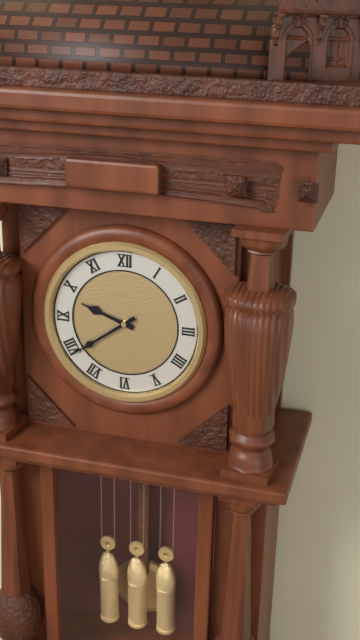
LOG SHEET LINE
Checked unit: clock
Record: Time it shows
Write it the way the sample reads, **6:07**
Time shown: **9:39**
